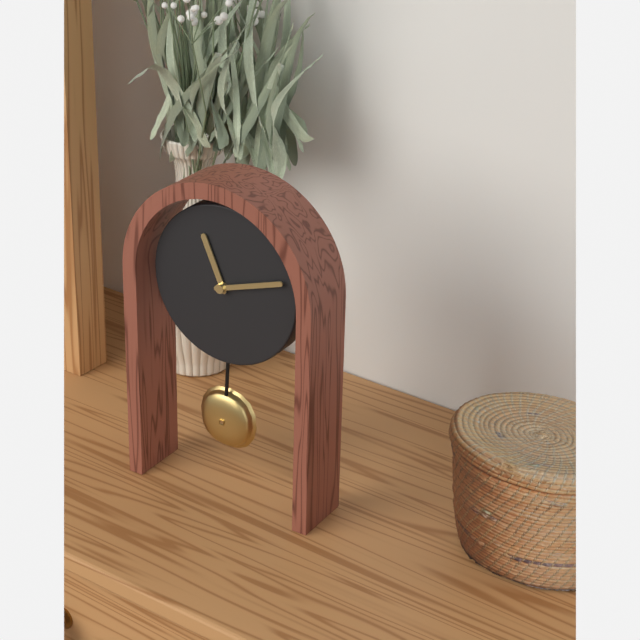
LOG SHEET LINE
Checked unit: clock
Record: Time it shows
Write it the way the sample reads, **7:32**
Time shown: **11:12**
